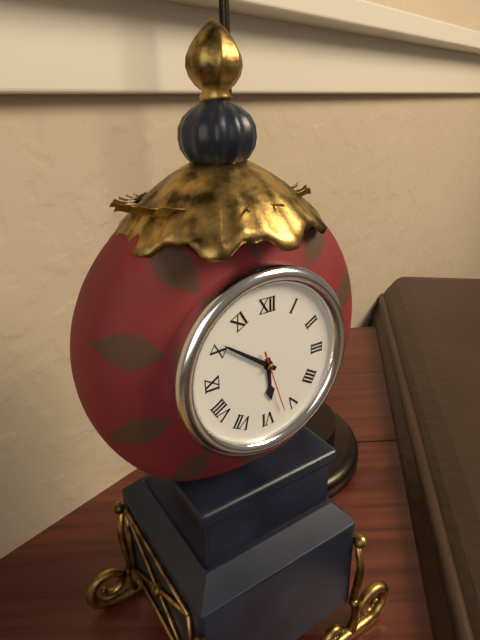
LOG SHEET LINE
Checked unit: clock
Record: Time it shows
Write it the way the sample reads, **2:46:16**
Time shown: **5:51:27**
